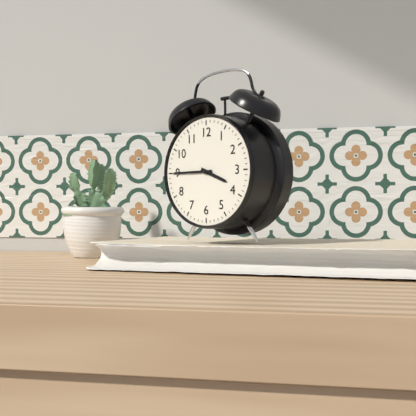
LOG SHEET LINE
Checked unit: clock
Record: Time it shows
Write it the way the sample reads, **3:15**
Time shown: **3:45**
